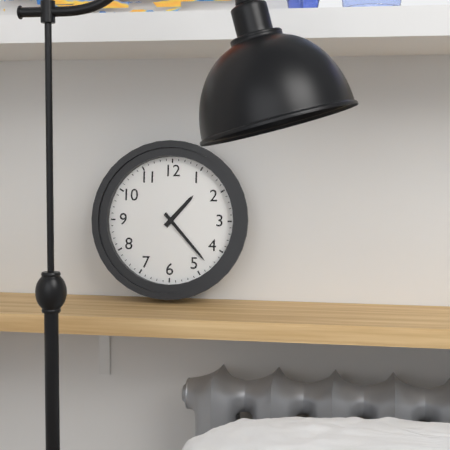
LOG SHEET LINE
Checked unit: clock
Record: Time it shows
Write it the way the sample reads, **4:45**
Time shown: **1:23**
